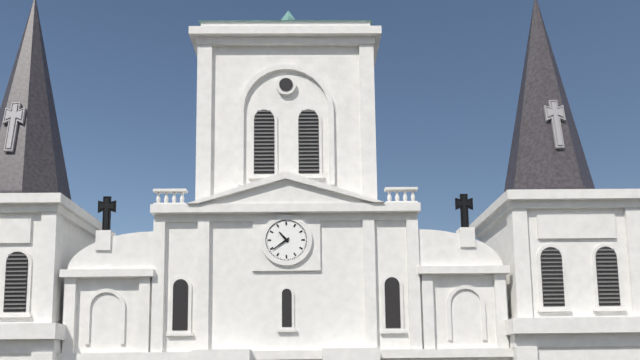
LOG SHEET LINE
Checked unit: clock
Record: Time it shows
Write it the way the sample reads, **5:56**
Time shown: **10:39**
